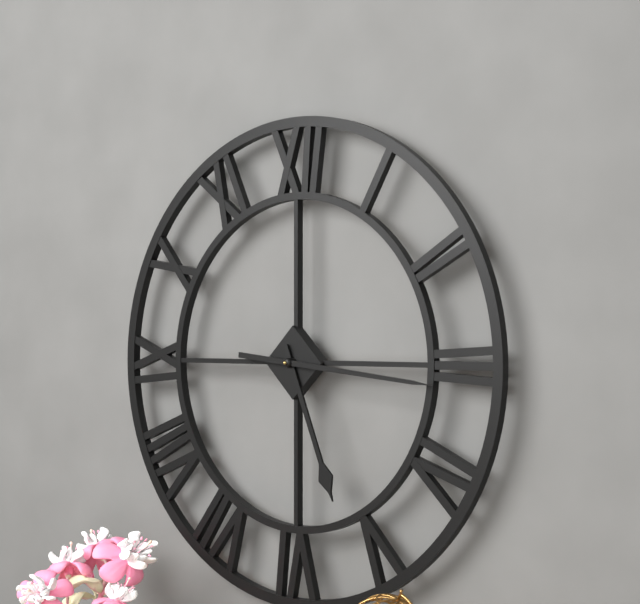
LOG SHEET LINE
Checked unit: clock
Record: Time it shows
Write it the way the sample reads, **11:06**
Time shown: **5:16**
